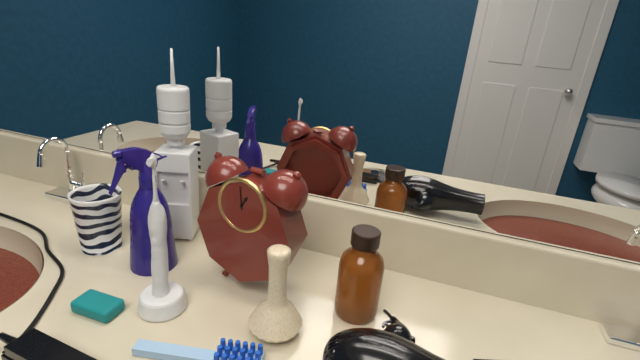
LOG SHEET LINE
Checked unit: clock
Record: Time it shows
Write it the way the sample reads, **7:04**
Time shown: **12:59**
